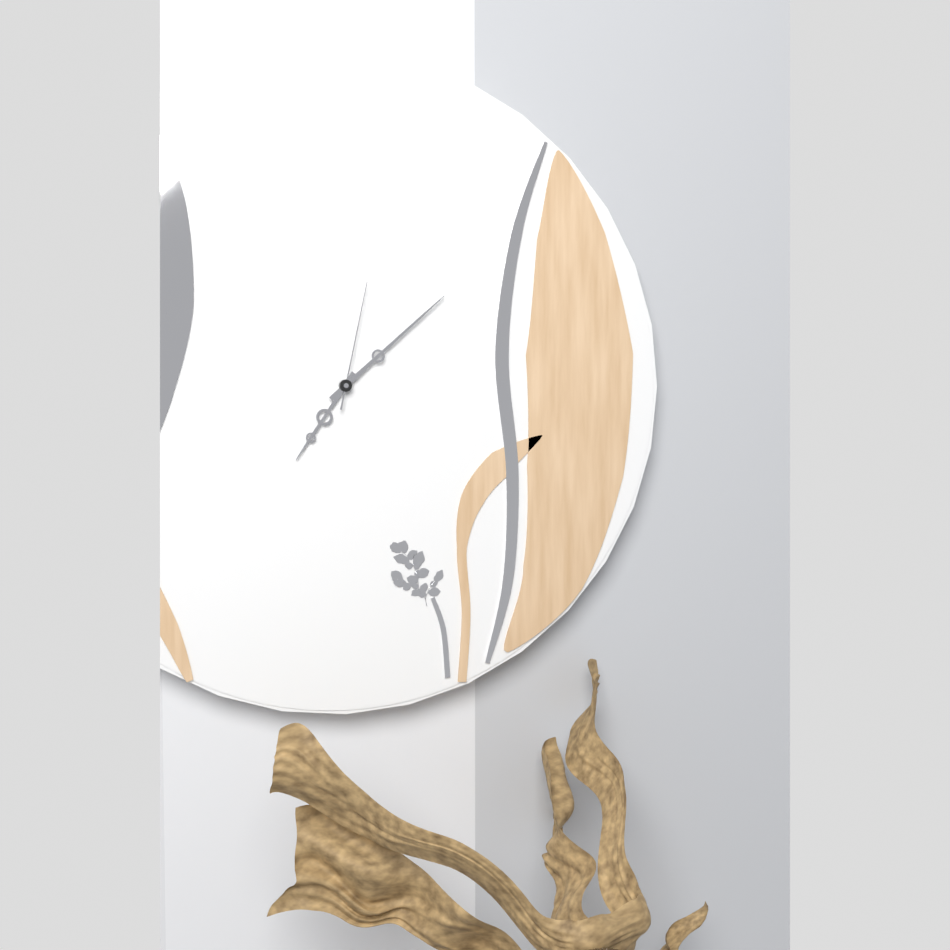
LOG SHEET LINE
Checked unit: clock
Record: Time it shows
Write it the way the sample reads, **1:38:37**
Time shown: **7:08:02**
